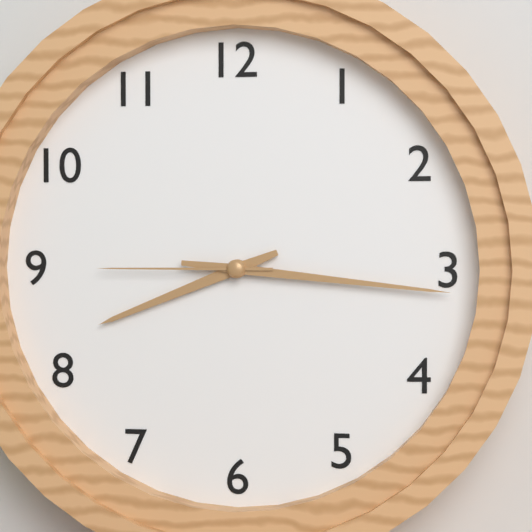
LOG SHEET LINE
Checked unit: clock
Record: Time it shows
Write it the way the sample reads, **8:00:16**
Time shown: **8:16:45**
